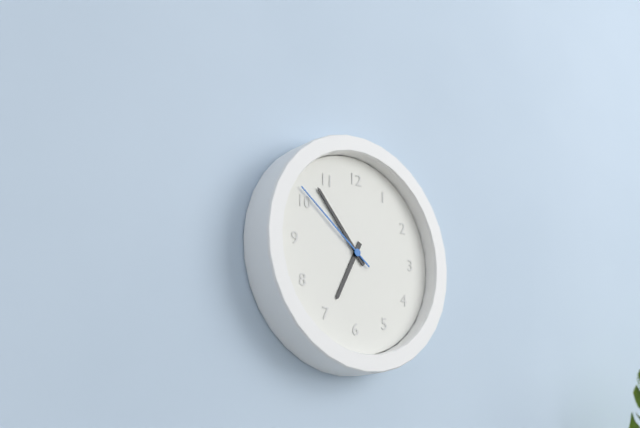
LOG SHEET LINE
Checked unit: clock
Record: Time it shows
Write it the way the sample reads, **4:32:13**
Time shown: **6:53:51**
